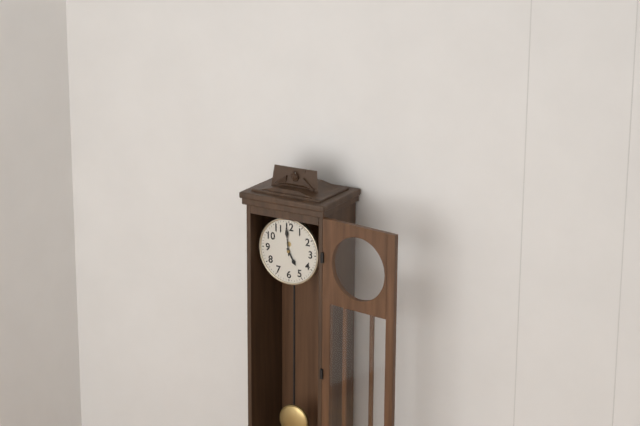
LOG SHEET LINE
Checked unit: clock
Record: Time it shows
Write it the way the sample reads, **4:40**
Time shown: **4:59**
